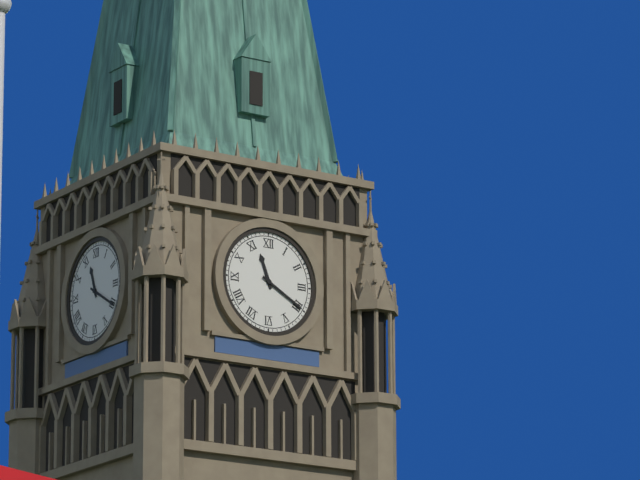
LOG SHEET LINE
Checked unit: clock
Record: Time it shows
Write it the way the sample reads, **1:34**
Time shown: **11:20**
